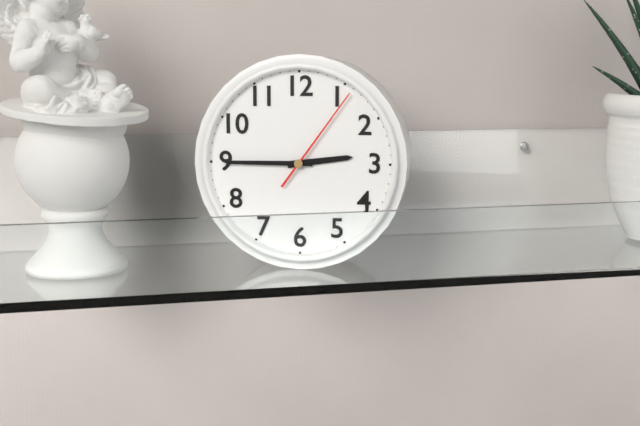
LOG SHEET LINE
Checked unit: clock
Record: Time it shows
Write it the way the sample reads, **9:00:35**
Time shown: **2:45:06**
